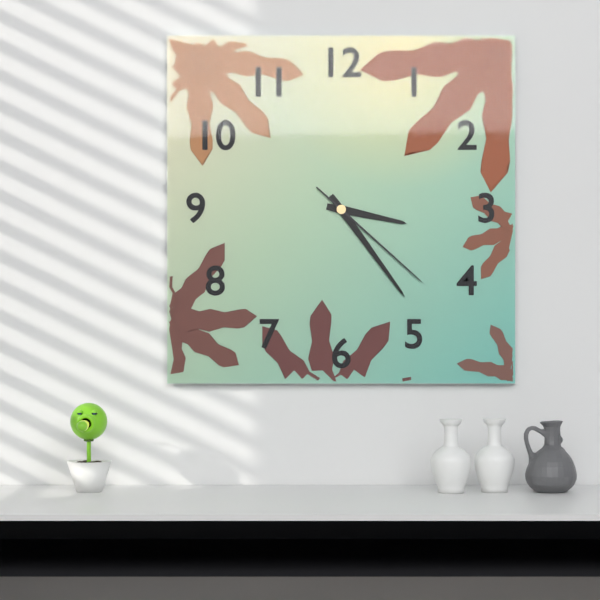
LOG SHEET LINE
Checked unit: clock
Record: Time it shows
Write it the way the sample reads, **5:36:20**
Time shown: **3:24:22**
